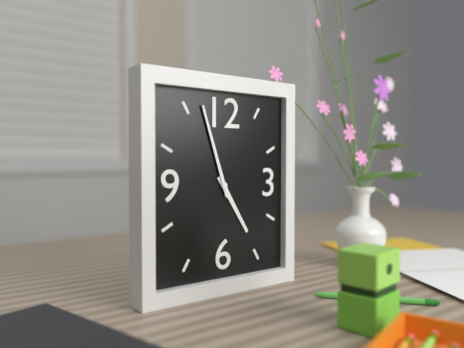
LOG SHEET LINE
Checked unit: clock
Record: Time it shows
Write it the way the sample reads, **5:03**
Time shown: **4:57**
